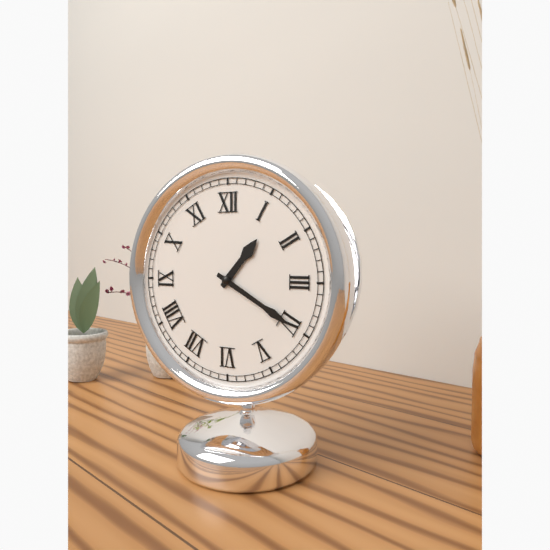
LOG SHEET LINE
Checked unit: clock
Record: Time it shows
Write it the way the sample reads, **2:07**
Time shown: **1:20**
